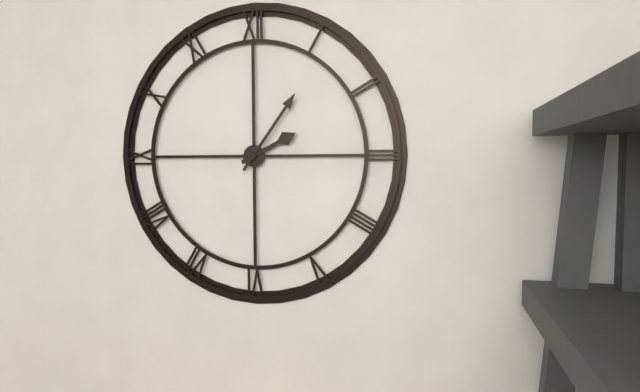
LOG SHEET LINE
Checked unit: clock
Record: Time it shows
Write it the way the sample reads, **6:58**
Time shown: **2:06**
